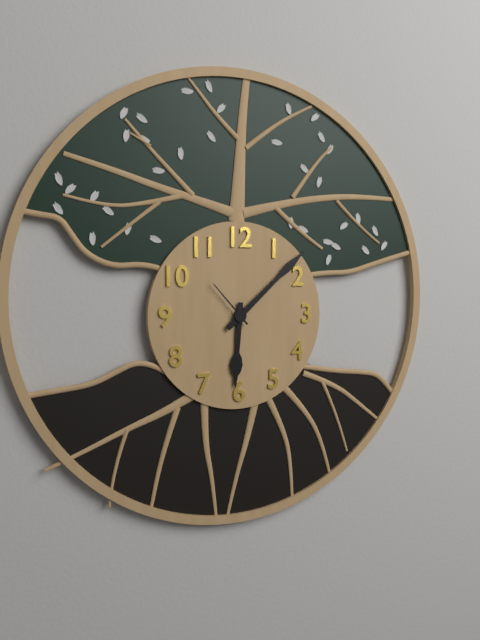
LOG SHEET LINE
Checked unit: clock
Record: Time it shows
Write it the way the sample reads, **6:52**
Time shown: **6:08**
